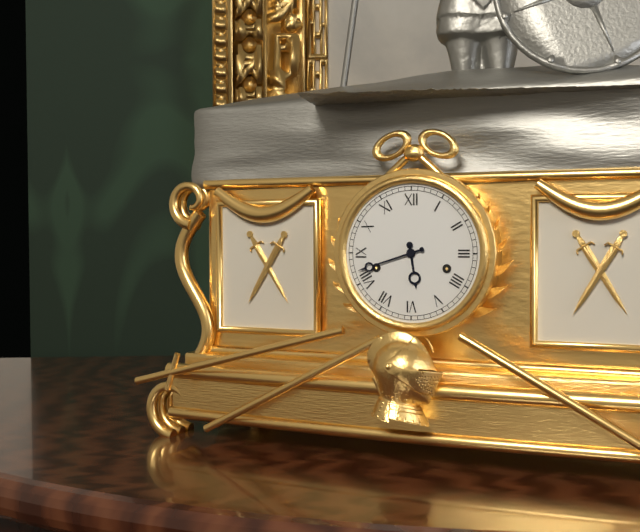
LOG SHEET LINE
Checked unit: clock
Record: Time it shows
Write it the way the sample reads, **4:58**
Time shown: **5:42**
